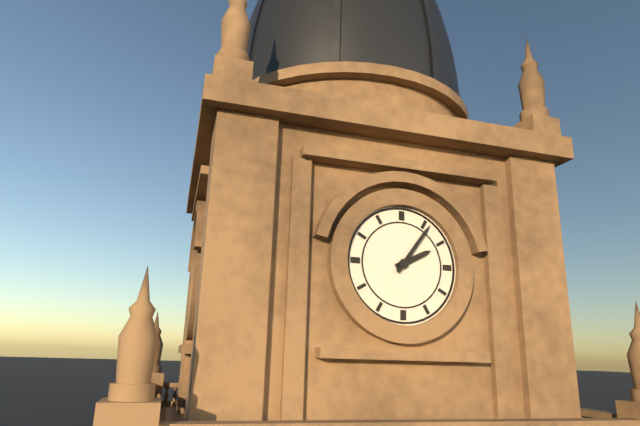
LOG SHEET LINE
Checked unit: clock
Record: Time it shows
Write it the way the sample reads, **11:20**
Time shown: **2:06**
